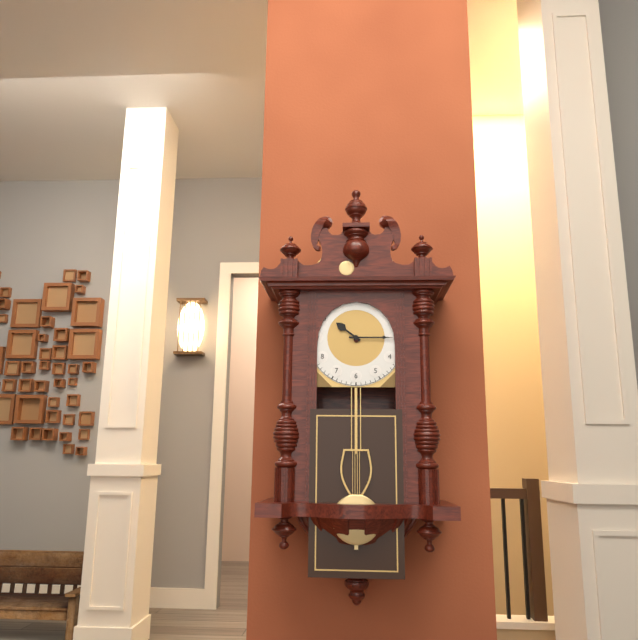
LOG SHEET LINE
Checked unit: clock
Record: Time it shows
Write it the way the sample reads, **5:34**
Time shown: **10:15**
